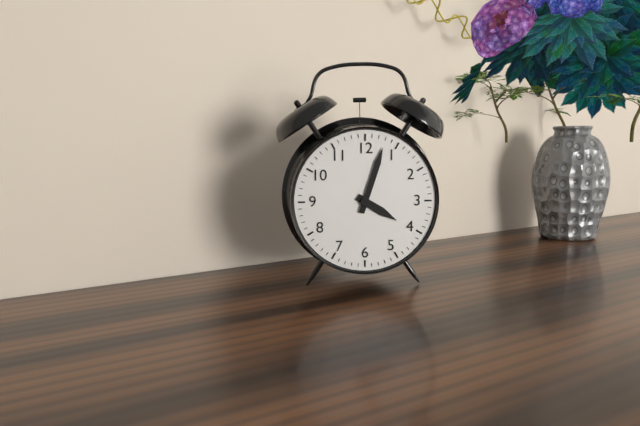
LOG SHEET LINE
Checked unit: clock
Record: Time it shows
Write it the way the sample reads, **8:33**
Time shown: **4:03**
